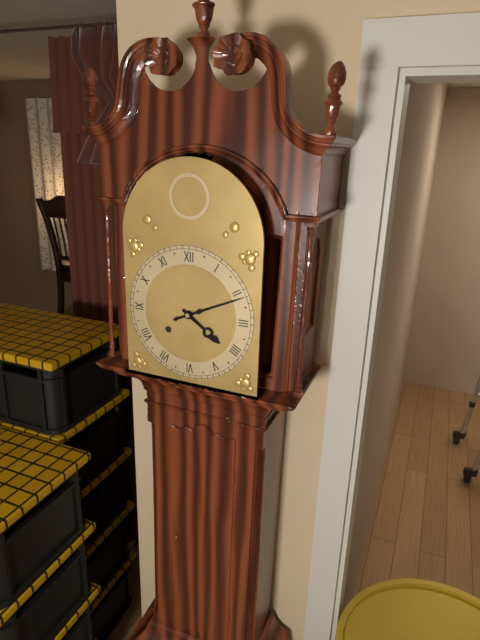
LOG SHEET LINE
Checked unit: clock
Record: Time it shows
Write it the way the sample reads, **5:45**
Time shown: **4:11**
